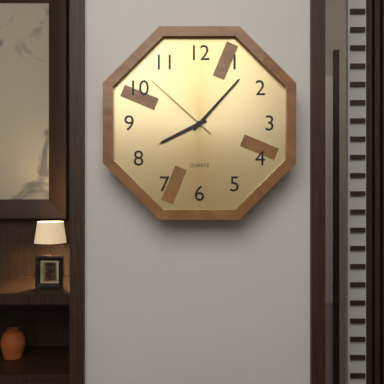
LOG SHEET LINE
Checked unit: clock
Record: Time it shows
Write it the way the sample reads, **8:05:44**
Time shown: **8:07:52**
